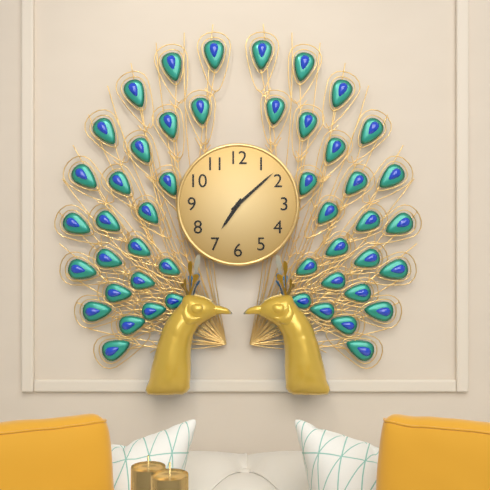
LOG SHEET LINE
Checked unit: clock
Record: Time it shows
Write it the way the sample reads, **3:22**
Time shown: **7:08**
